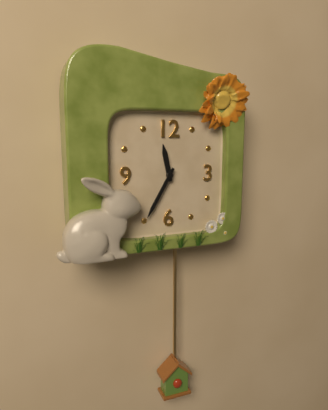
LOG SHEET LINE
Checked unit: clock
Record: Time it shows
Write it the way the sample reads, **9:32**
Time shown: **11:35**
